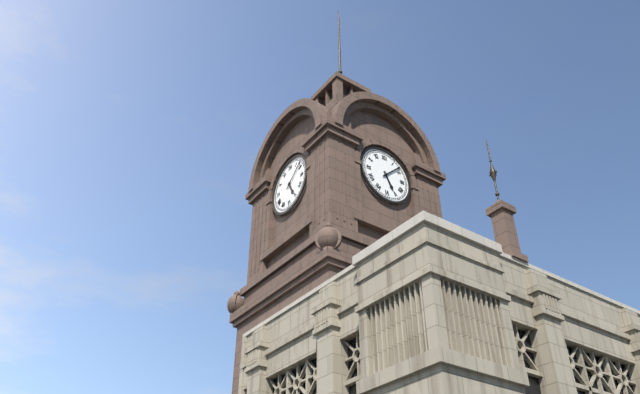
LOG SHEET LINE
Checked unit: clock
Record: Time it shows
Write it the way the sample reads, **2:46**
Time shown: **5:08**
